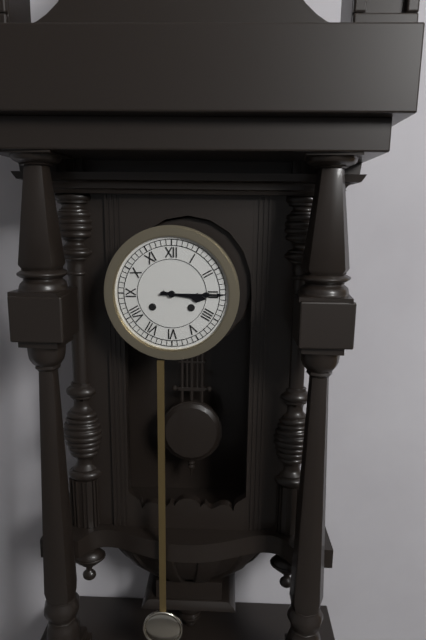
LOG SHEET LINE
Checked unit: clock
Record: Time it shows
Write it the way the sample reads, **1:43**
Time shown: **3:15**
